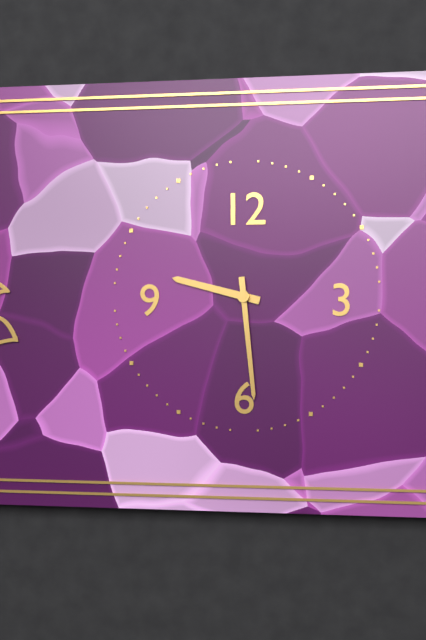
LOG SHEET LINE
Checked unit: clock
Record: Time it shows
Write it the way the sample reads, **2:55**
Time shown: **9:29**
